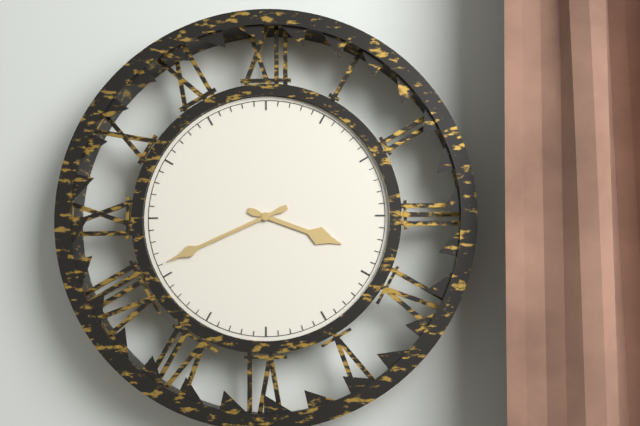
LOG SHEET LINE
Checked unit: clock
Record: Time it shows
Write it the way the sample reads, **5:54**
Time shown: **3:41**
